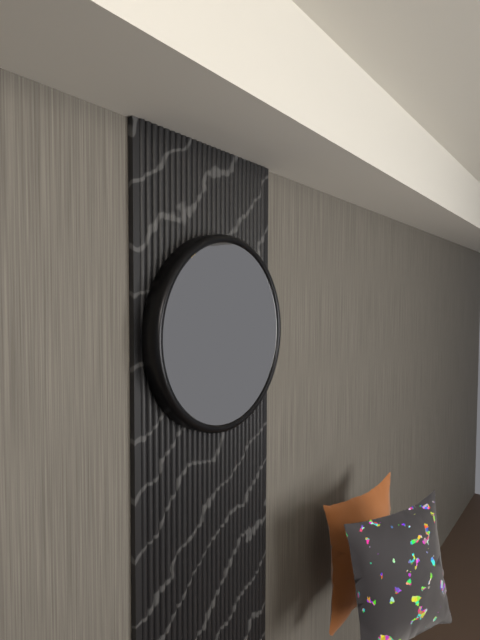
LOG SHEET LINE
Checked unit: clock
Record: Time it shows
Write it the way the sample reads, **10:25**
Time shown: **11:30**
